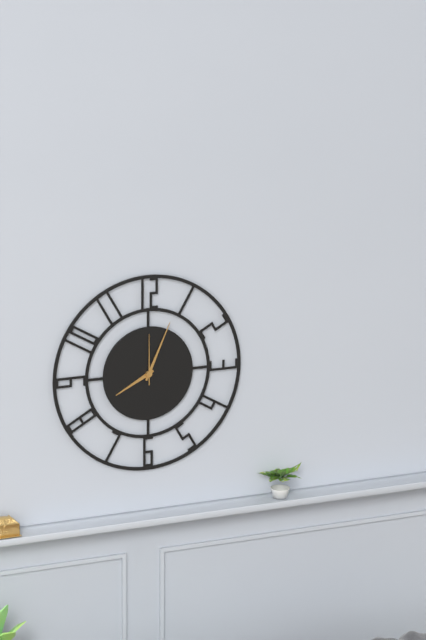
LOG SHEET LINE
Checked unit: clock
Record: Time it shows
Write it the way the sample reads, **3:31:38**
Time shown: **8:04:00**
